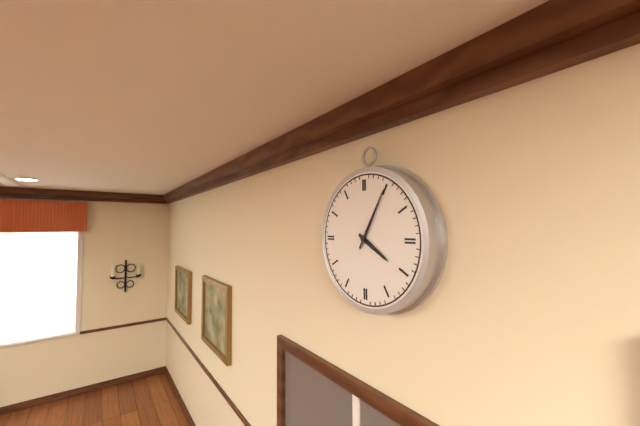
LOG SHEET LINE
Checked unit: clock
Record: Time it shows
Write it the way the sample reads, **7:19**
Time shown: **4:05**
